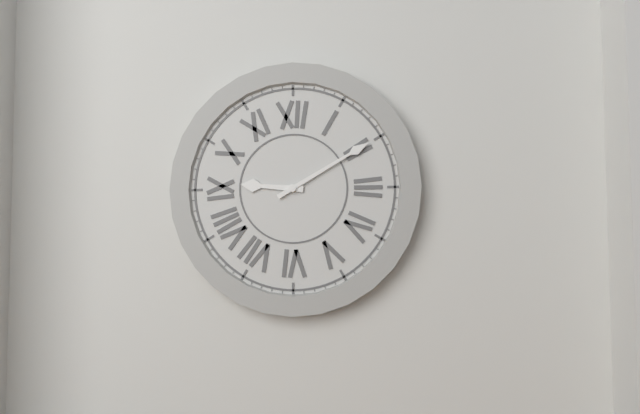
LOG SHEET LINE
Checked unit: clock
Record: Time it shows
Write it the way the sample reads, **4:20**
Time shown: **9:10**
